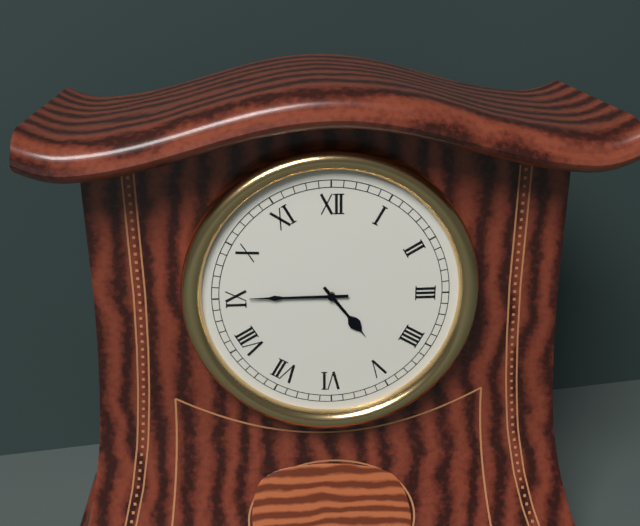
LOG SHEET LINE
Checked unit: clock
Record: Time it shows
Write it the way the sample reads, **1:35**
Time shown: **4:45**
